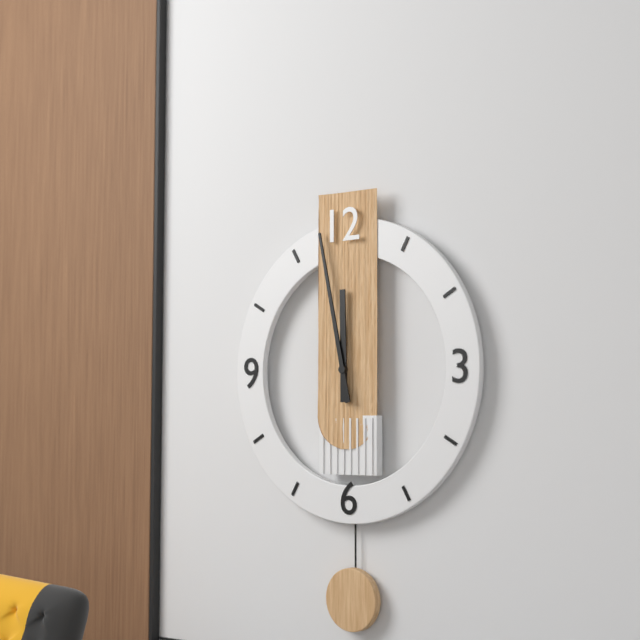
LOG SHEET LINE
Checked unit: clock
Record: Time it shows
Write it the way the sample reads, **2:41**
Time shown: **11:58**
